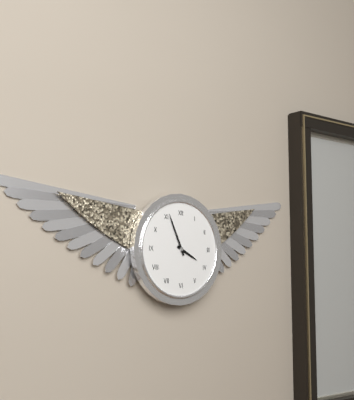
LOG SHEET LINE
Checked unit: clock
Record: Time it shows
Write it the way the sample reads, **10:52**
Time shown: **3:56**
